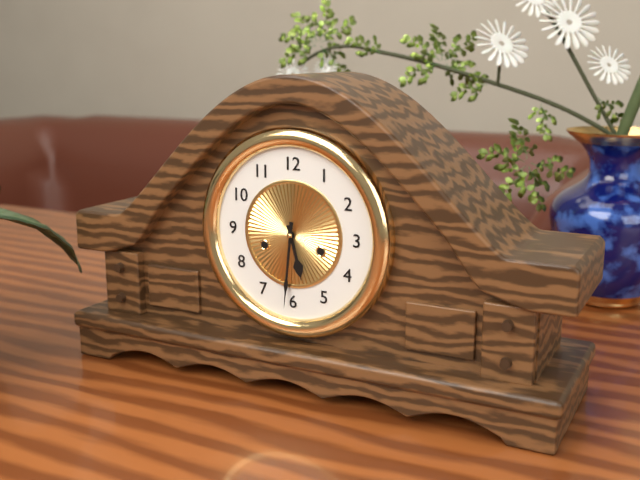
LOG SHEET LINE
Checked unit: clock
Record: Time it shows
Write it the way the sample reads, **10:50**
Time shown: **5:31**
